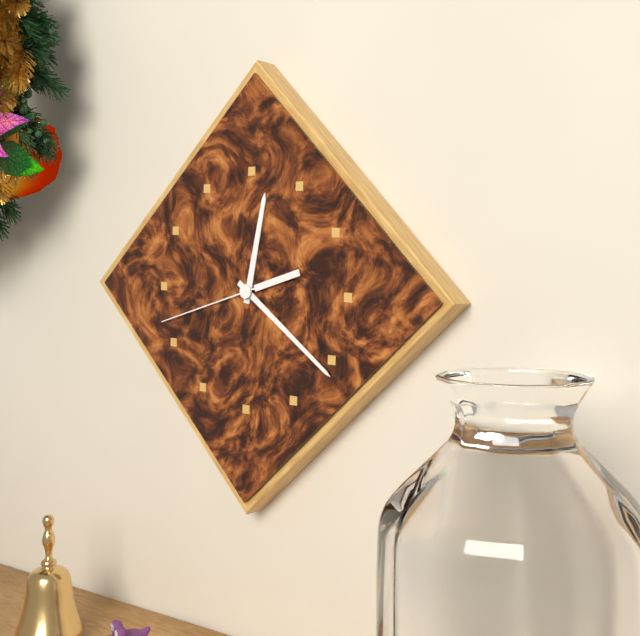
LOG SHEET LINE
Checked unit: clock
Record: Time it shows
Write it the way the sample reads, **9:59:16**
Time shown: **12:21:42**
